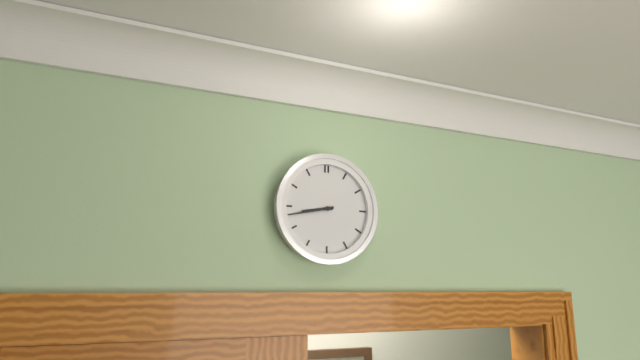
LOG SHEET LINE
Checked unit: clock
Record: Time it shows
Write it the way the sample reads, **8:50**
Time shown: **8:43**
